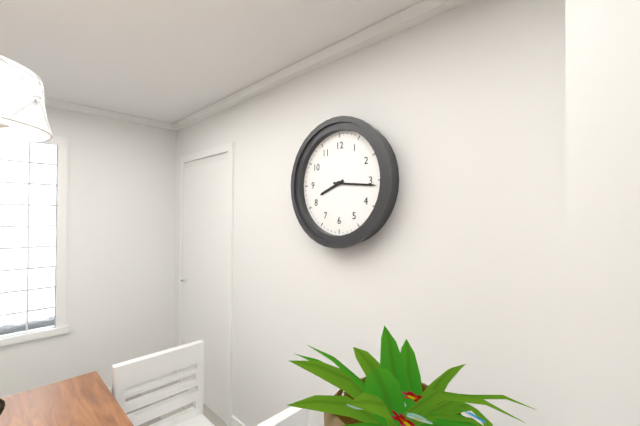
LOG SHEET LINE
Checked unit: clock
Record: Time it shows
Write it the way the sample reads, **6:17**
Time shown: **8:16**
